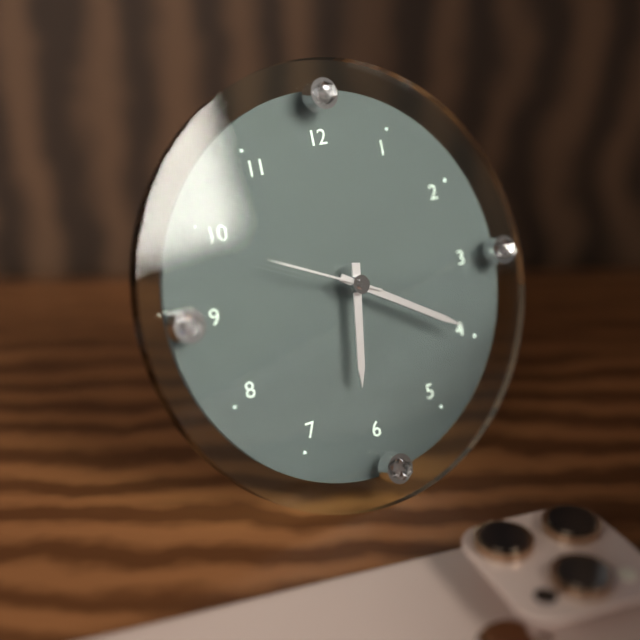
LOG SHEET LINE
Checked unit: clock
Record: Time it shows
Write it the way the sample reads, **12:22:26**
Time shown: **6:20:49**
